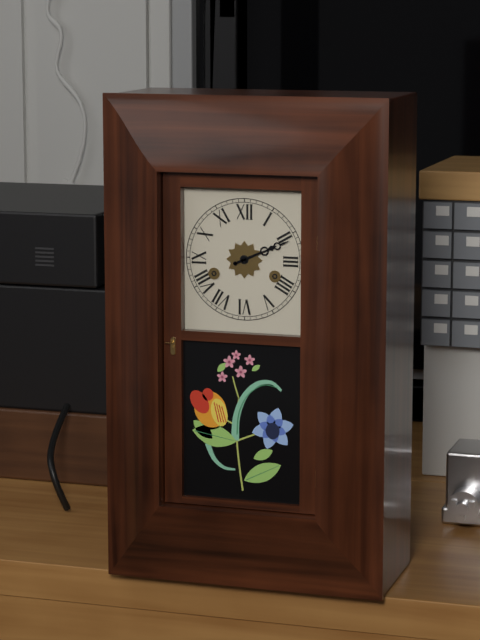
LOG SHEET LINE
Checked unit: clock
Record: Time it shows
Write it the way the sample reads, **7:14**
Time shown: **2:11**
